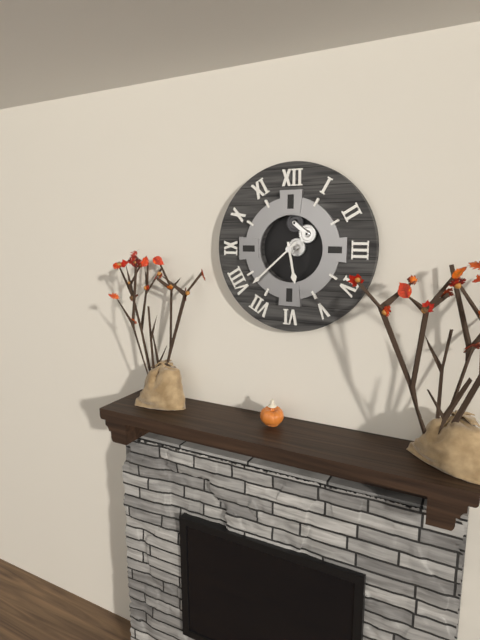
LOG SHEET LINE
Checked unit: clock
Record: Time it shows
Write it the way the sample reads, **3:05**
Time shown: **5:38**
